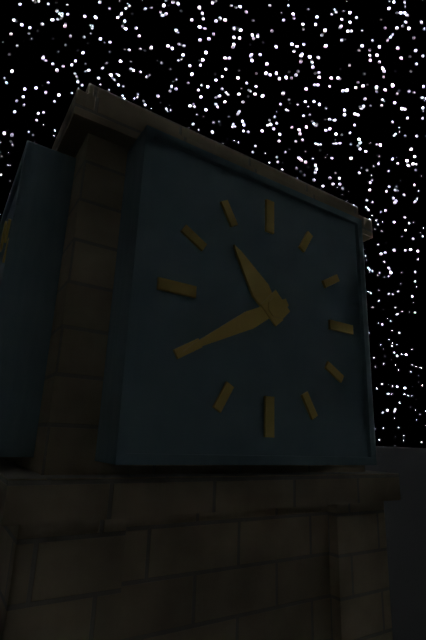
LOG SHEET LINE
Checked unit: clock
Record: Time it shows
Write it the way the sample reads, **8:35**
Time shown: **10:40**
